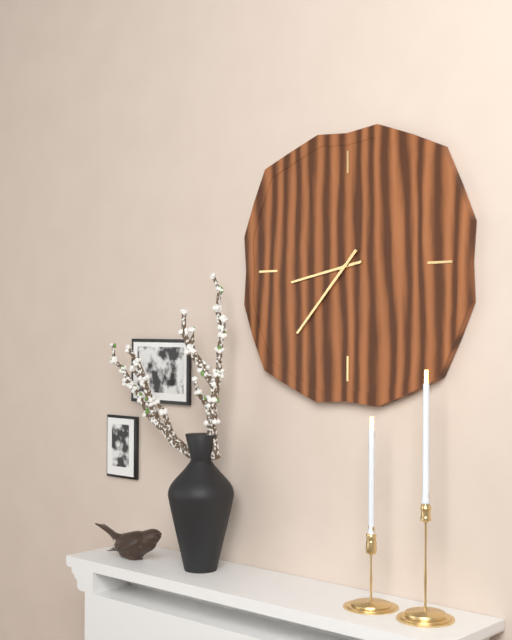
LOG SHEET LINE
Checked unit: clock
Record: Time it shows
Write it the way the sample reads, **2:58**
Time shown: **8:37**
